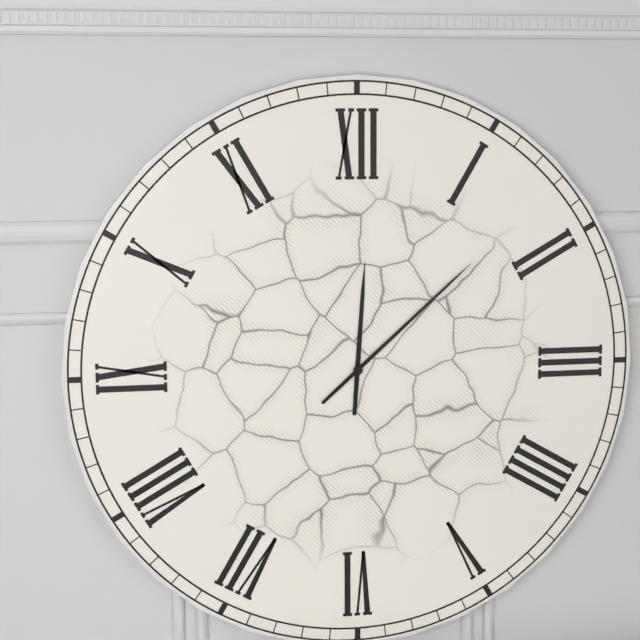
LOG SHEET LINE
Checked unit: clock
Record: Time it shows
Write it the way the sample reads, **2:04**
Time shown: **12:08**
